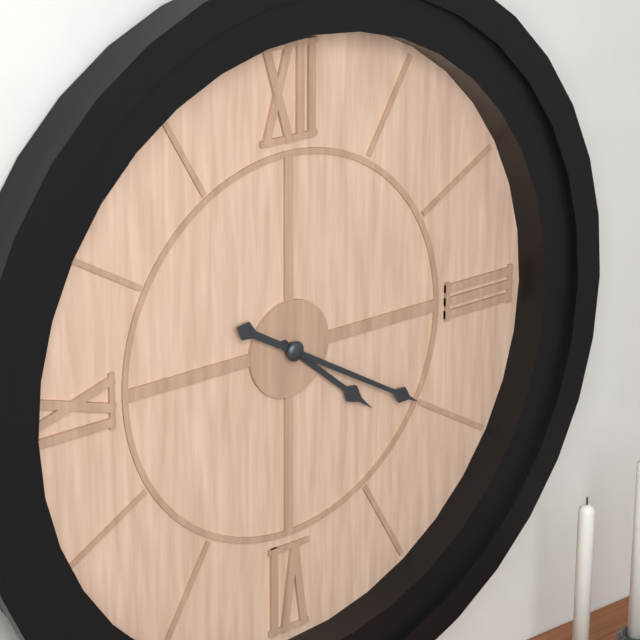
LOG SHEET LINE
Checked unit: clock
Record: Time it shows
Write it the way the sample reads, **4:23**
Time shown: **4:20**
